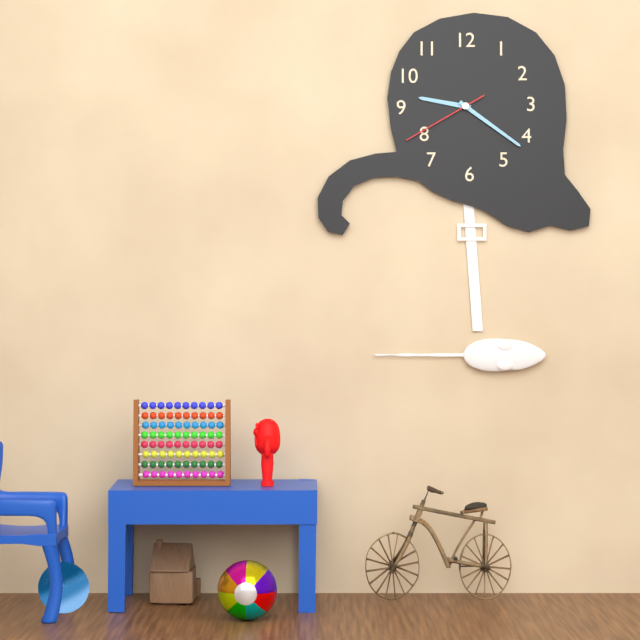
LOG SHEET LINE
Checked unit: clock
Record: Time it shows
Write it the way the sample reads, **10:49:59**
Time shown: **9:21:40**
